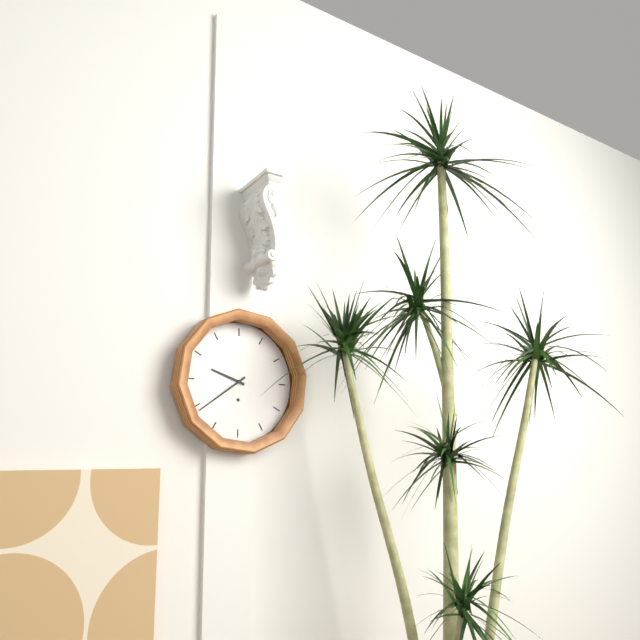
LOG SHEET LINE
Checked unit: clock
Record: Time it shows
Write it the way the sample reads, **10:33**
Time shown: **9:39**
